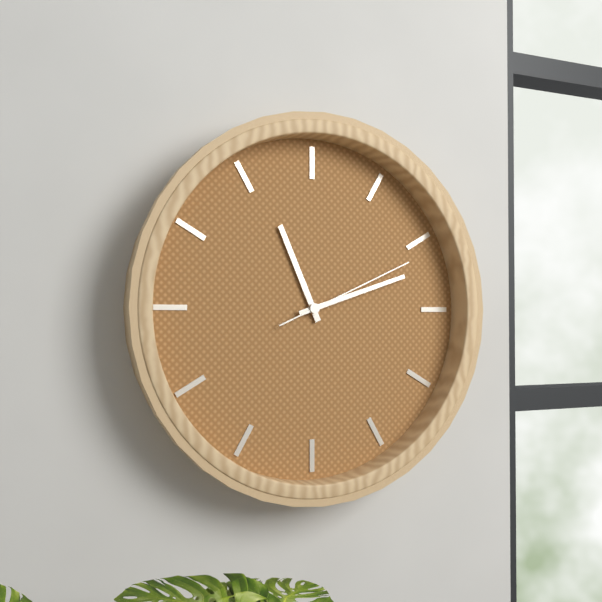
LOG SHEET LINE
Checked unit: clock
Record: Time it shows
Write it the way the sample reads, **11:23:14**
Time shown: **11:12:11**
